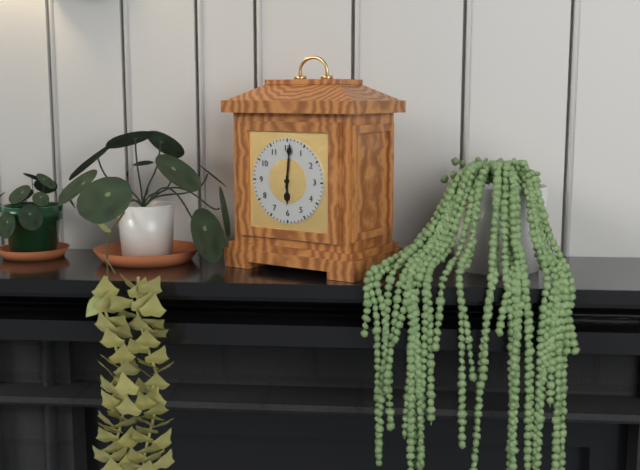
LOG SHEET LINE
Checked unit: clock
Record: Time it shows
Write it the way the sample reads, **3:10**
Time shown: **6:01**
